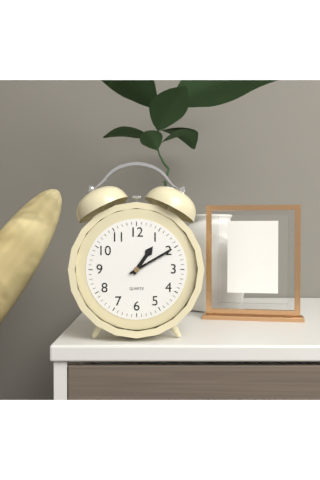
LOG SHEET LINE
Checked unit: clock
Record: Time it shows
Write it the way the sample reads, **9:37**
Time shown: **1:10**
